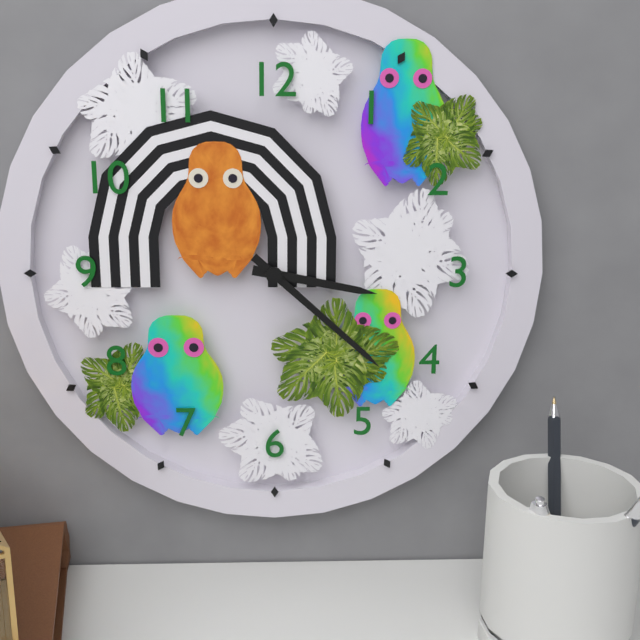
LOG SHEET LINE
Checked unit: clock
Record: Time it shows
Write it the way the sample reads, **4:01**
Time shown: **3:22**
